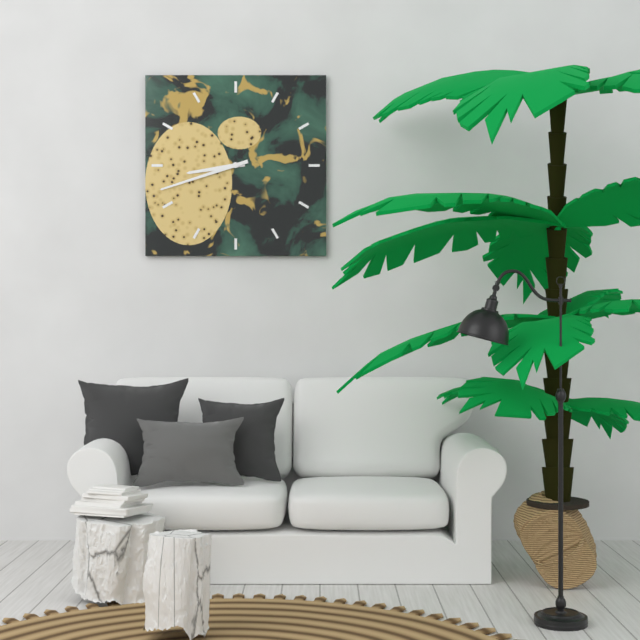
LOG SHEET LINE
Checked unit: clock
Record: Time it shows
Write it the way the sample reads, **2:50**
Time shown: **8:42**
